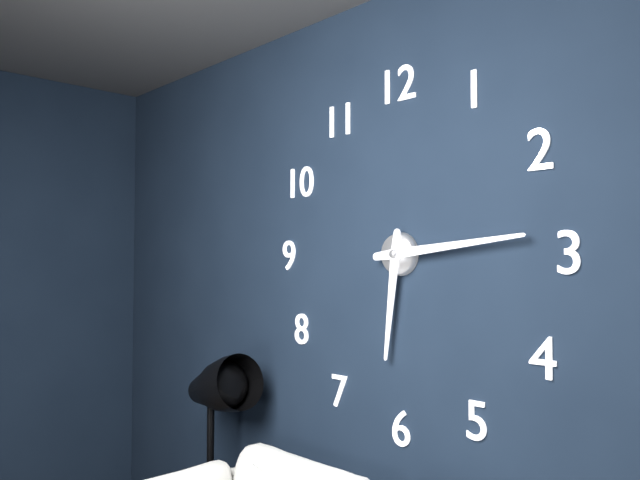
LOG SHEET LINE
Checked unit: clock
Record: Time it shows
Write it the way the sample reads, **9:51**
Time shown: **6:14**
